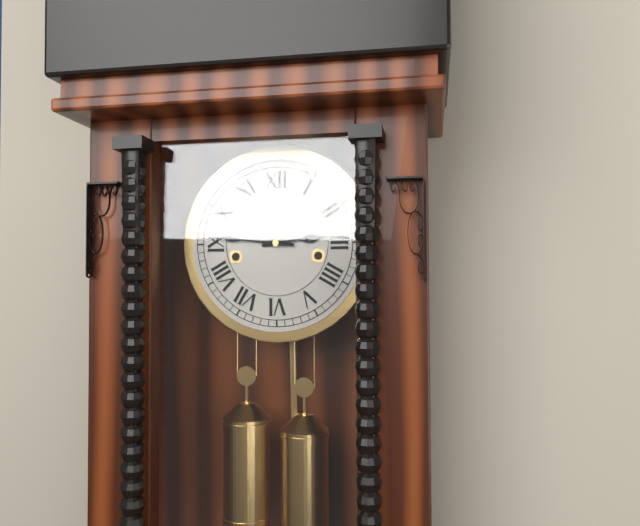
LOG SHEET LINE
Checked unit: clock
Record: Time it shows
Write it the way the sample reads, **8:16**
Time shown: **2:46**
